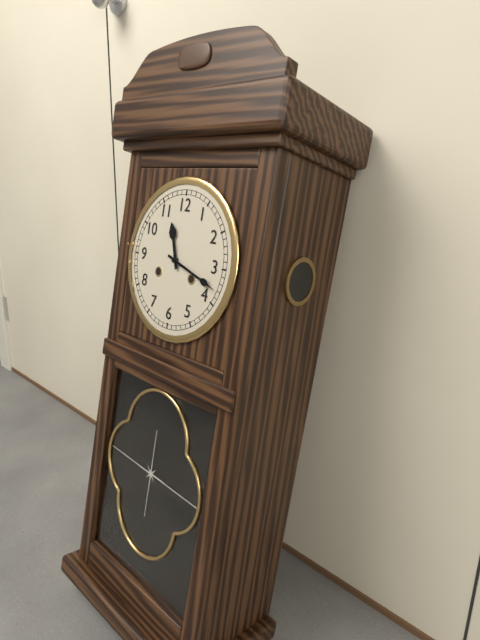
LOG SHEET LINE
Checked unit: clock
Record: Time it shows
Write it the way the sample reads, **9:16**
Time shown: **11:18**
